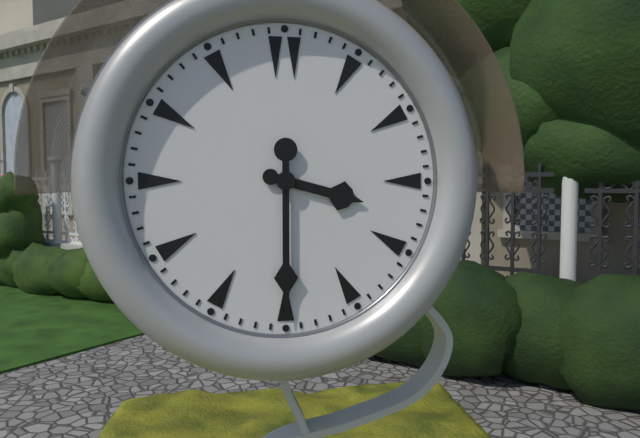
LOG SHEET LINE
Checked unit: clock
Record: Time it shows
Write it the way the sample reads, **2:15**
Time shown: **3:30**
